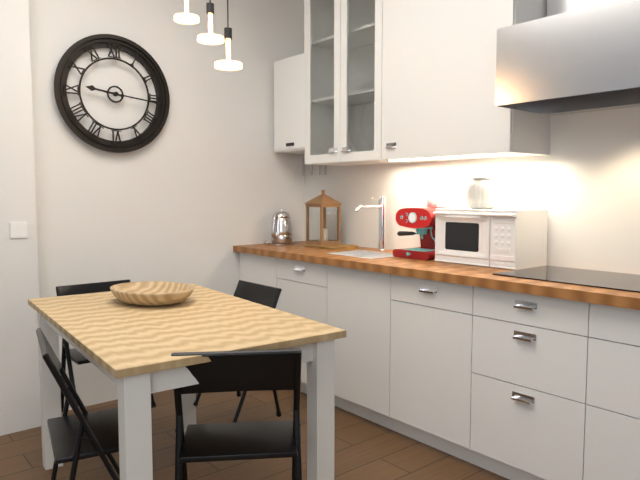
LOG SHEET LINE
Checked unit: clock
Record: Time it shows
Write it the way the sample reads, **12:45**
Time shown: **9:16**
